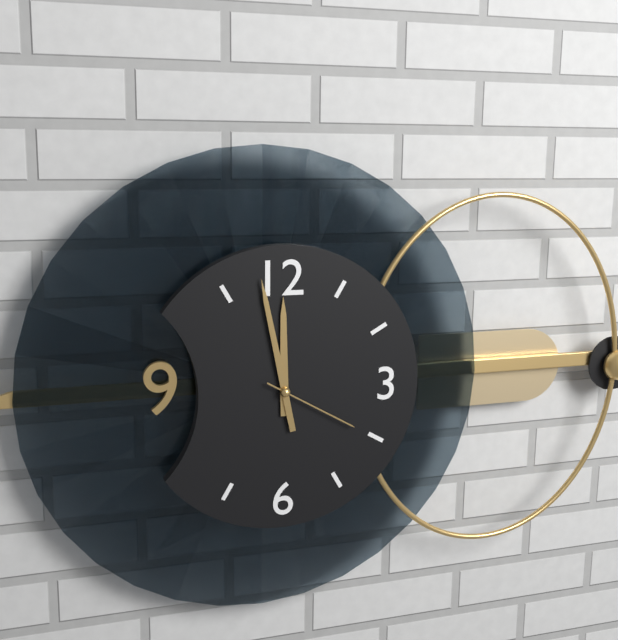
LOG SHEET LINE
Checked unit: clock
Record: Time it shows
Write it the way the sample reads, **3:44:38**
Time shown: **11:58:20**
